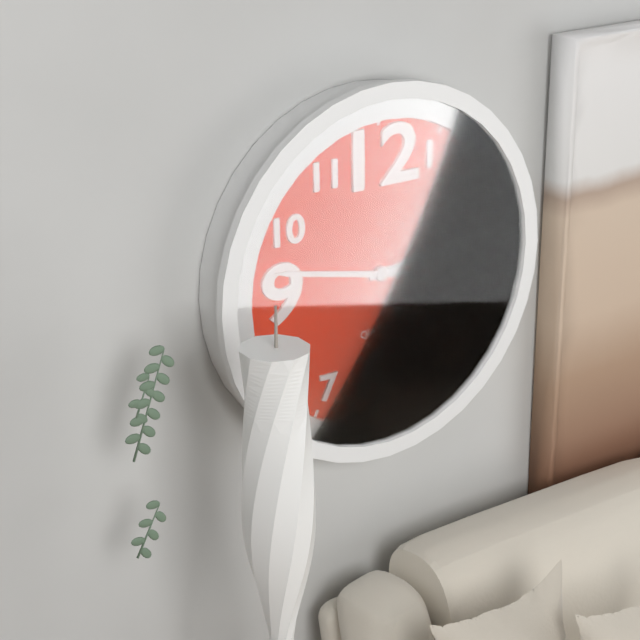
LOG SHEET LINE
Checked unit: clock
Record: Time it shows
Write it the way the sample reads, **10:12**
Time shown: **2:47**
